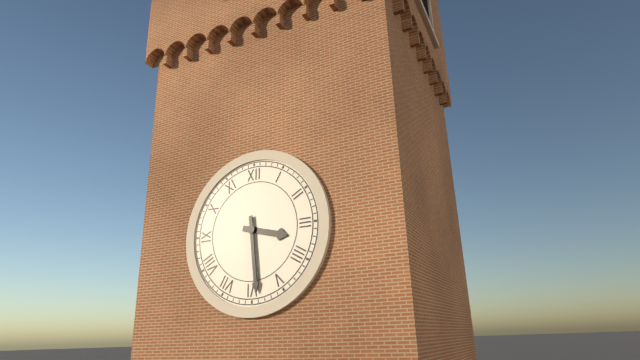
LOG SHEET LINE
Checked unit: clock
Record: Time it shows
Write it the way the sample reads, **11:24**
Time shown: **3:29**
